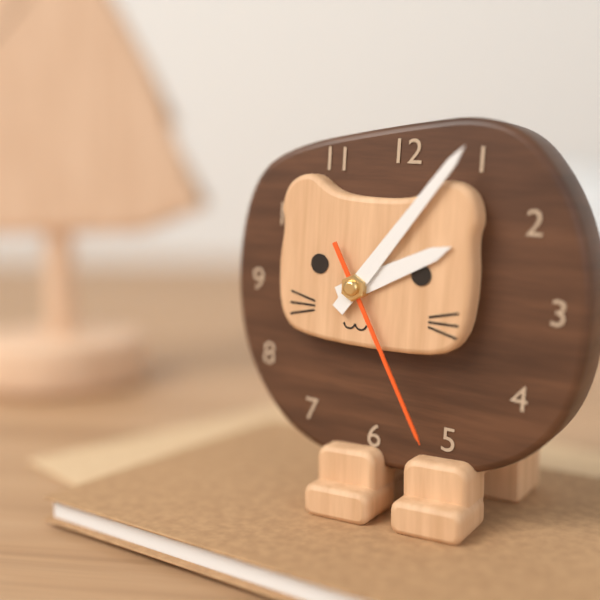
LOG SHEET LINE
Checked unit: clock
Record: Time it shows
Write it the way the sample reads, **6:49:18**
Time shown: **2:06:25**
